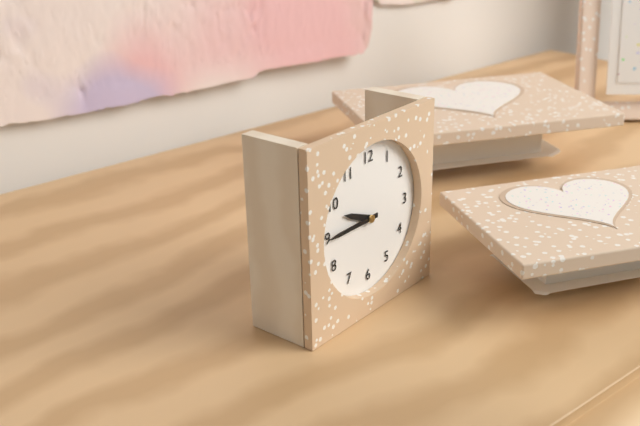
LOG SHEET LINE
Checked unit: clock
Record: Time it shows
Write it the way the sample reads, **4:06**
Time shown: **9:45**
